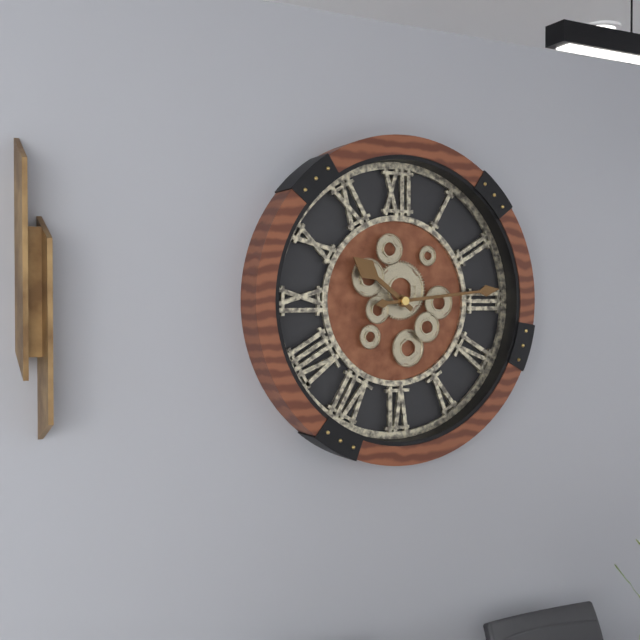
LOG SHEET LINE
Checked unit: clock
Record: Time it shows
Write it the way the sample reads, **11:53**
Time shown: **10:14**
